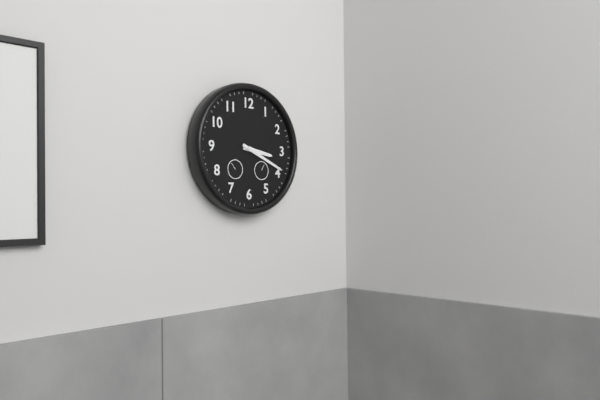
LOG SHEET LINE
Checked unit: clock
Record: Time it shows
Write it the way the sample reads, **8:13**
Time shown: **3:19**
